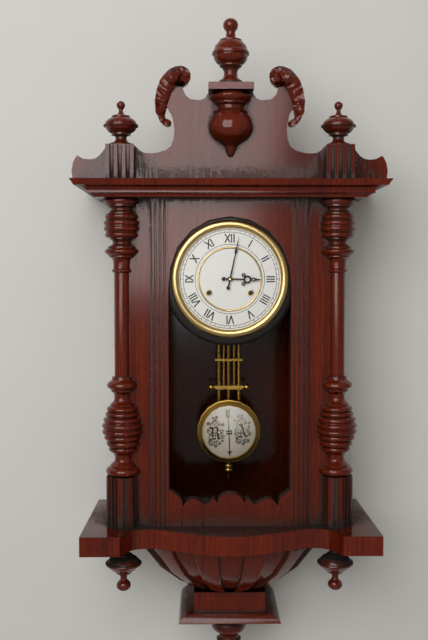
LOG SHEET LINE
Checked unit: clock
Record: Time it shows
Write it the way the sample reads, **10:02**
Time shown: **3:02**
